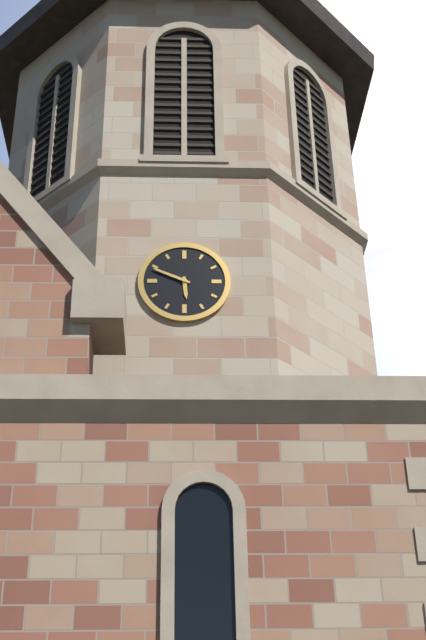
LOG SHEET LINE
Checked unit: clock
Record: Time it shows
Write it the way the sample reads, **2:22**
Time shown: **5:49**
